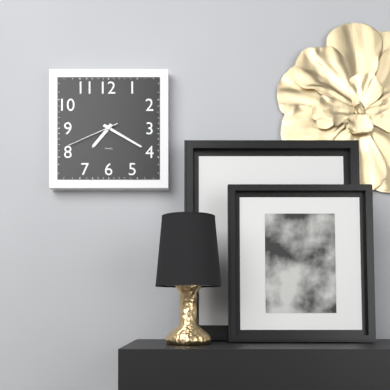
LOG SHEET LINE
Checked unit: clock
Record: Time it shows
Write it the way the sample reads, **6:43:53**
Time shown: **7:20:41**
